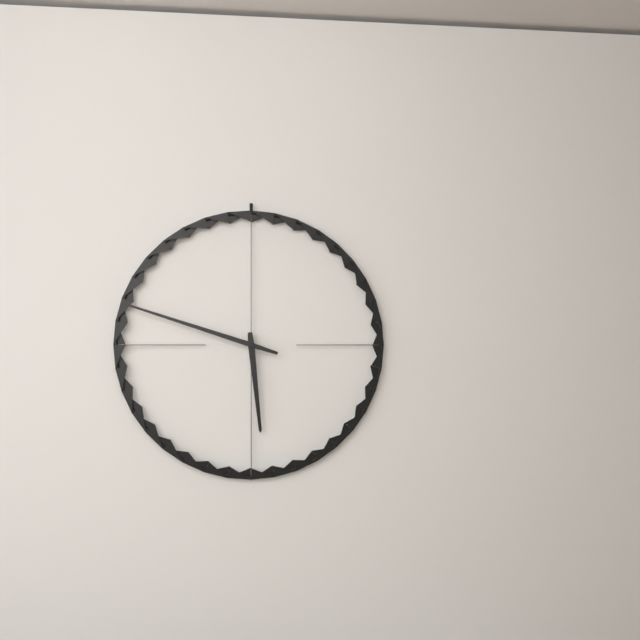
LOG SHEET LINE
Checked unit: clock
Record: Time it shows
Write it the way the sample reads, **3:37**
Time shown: **5:48**
